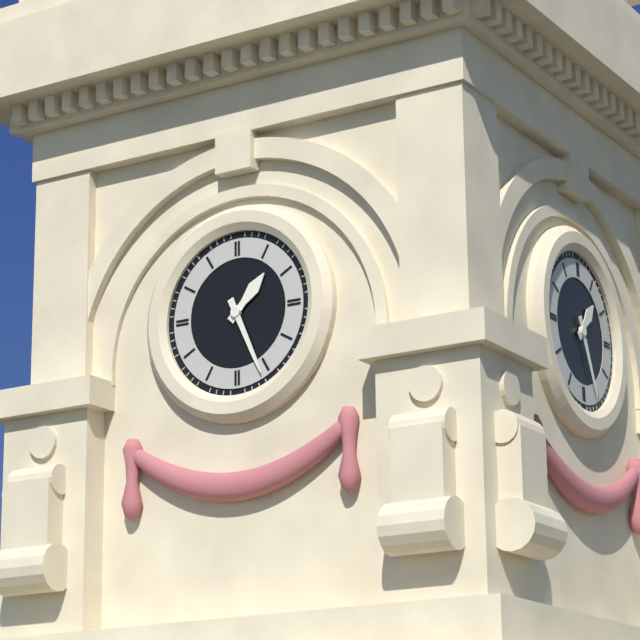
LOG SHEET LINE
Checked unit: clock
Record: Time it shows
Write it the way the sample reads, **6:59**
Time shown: **1:26**
